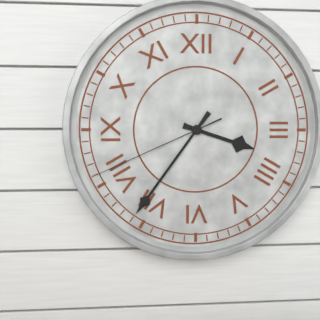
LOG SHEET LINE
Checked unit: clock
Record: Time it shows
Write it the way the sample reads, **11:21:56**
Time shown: **3:36:41**
